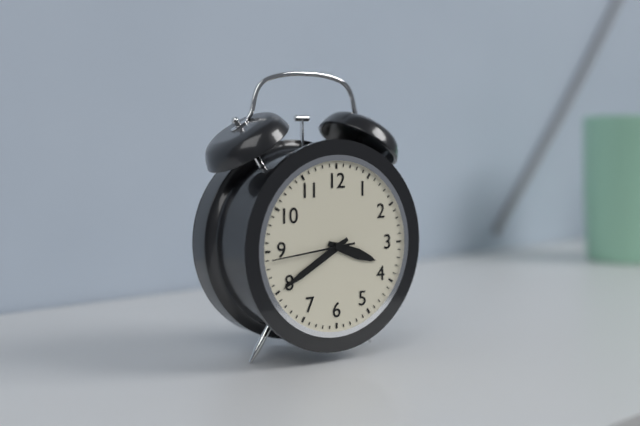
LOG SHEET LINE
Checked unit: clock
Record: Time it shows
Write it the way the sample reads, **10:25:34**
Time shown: **3:40:44**
